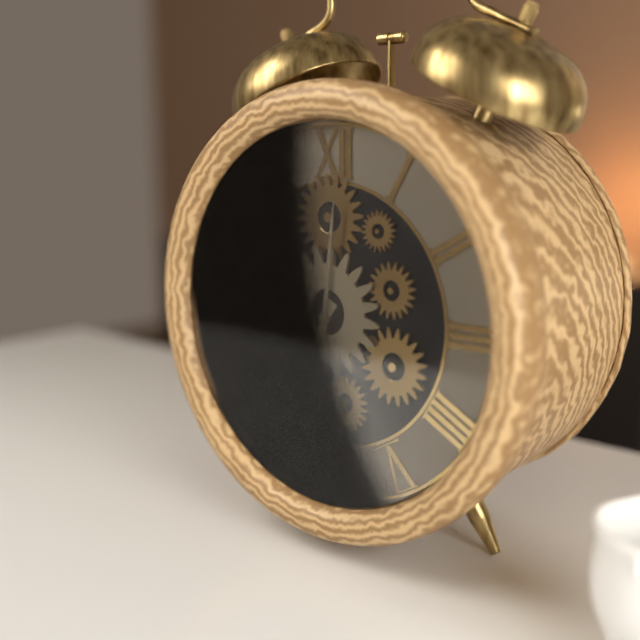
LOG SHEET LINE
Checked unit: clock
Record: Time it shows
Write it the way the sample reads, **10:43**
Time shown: **7:01**
